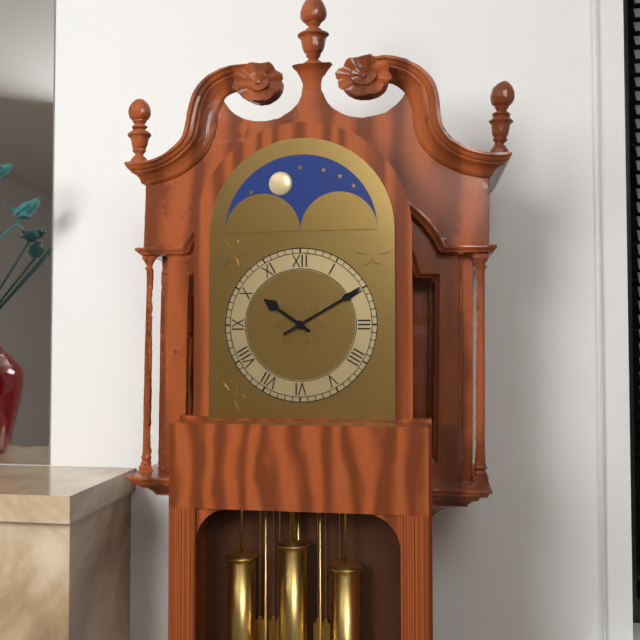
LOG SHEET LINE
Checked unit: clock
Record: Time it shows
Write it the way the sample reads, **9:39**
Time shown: **10:10**
